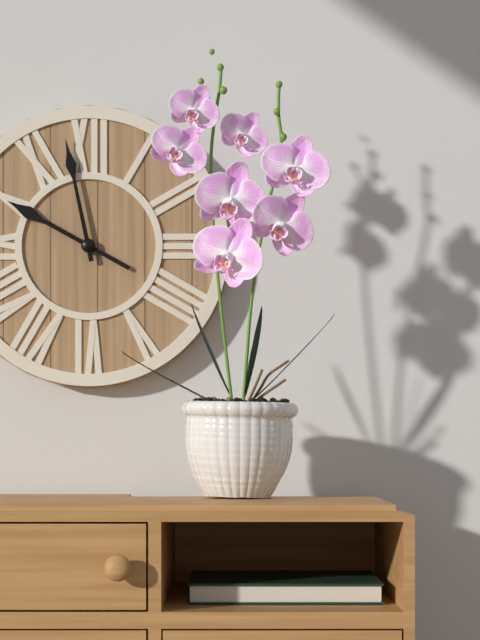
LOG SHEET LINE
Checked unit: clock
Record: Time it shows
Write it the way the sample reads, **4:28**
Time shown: **9:58**
